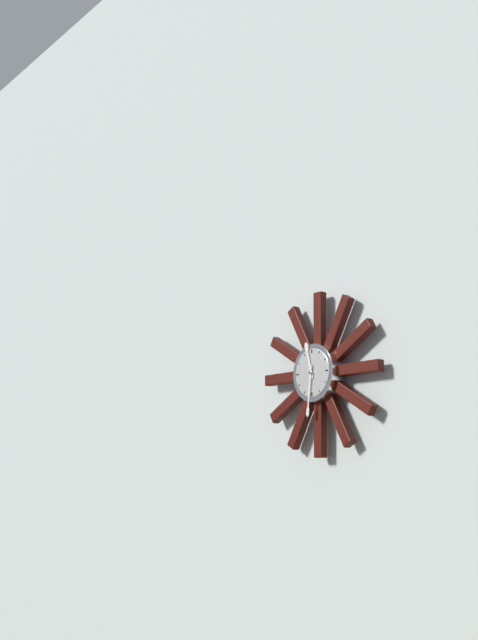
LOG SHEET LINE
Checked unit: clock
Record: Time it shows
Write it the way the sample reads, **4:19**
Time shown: **11:31**
